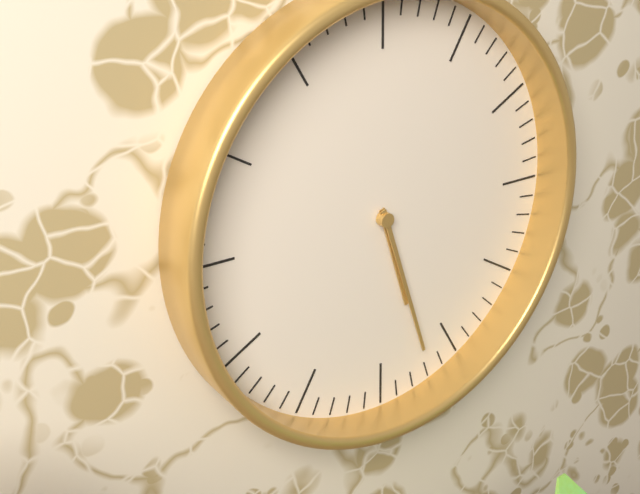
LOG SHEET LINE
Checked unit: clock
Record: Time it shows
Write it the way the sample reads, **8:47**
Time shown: **5:27**
